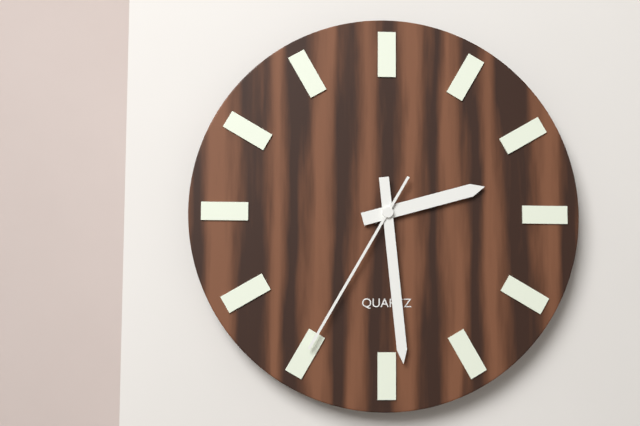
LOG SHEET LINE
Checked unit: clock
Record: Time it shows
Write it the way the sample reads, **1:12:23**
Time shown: **2:29:35**
